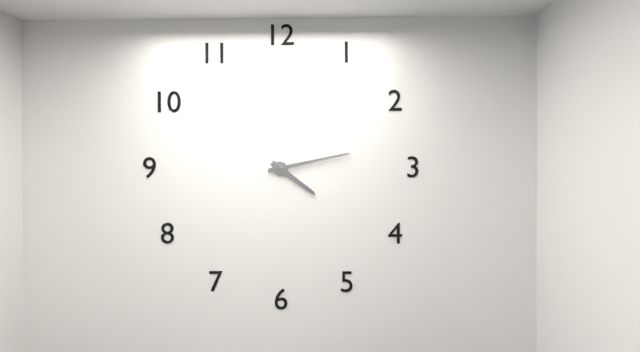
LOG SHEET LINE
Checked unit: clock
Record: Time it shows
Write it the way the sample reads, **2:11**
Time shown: **4:13**
